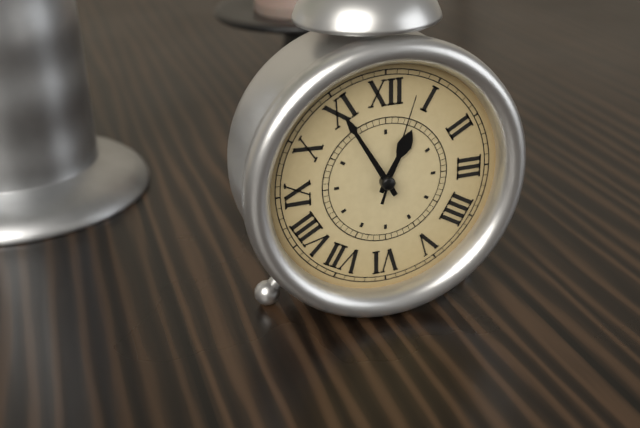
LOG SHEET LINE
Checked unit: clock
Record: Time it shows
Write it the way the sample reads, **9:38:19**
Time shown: **12:55:03**
